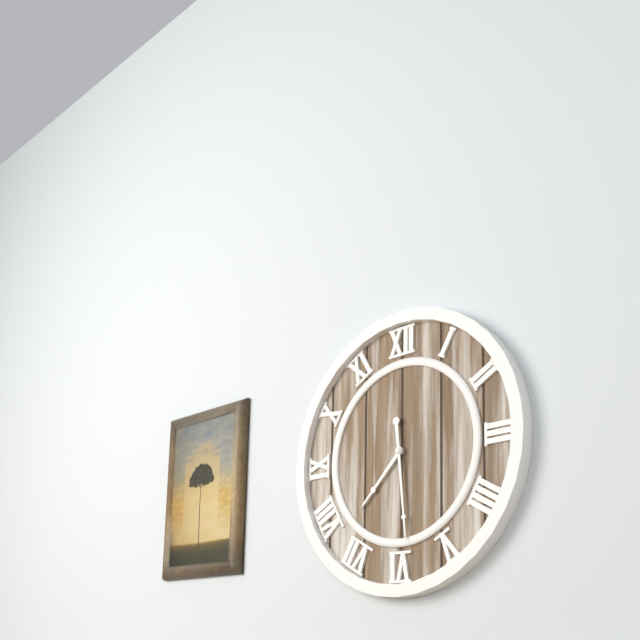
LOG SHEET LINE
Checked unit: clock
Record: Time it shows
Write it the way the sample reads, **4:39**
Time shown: **7:29**
